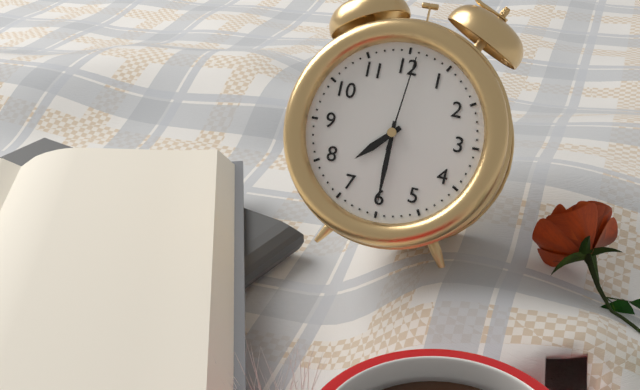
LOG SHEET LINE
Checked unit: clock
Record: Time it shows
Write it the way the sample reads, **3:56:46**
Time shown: **7:30:01**
